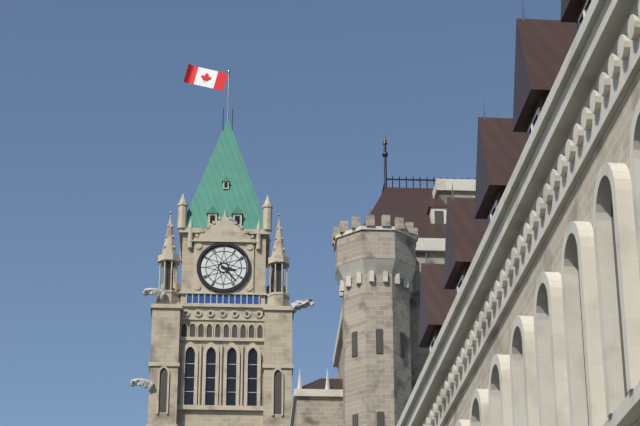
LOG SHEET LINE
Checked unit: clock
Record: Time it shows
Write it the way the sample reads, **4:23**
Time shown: **3:23**
